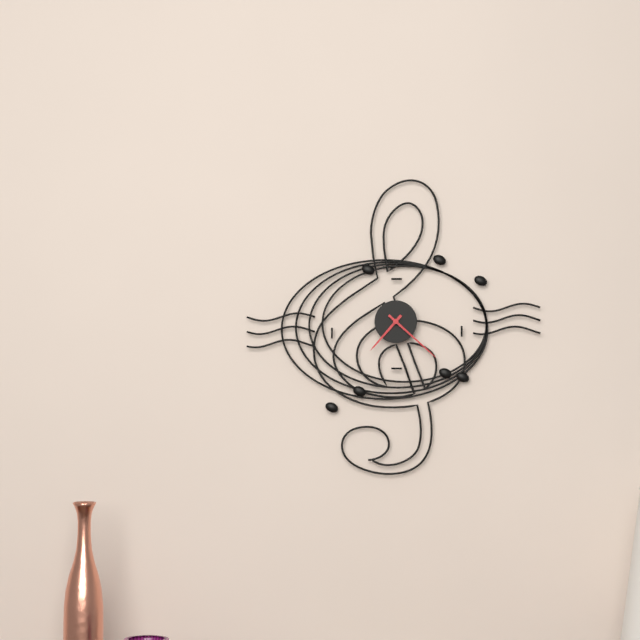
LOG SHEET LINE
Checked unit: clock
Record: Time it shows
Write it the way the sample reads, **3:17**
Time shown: **7:22**
